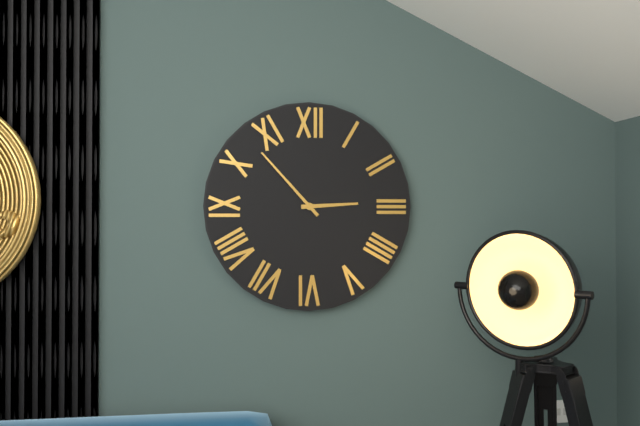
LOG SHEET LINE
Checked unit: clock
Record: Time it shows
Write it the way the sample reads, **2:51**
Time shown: **2:53**
